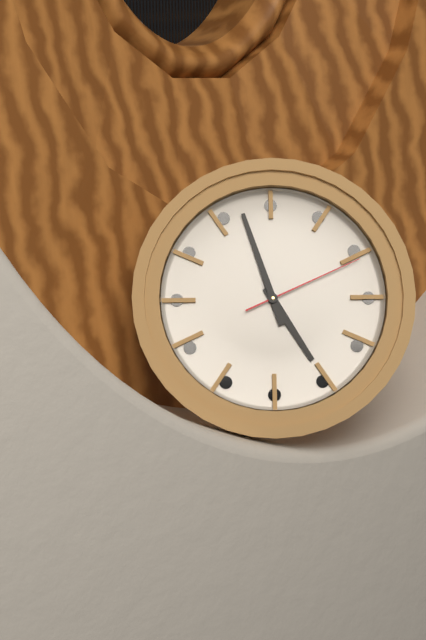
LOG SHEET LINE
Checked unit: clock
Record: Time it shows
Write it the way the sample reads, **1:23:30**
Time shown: **4:57:11**
